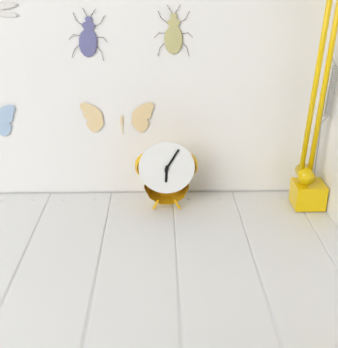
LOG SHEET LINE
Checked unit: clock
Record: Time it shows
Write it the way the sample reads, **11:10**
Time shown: **6:05**
